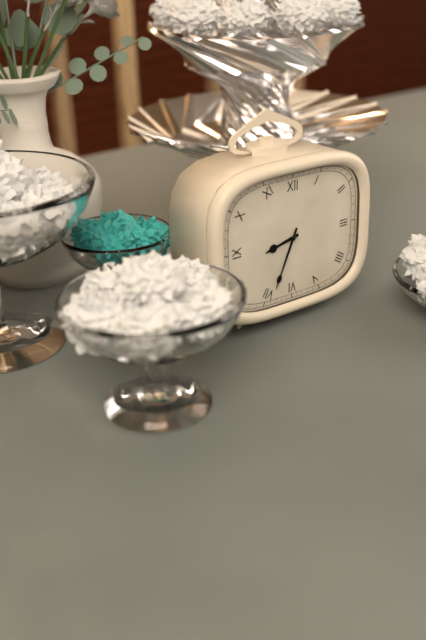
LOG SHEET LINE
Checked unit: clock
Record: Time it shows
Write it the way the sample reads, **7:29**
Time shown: **8:34**
